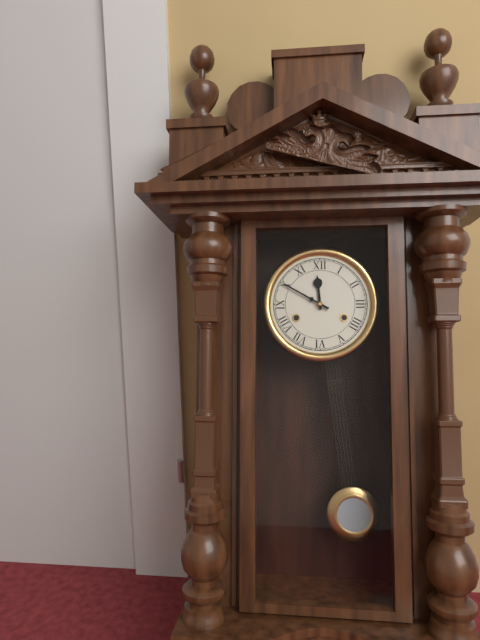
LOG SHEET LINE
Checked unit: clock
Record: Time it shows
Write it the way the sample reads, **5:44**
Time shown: **11:50**
